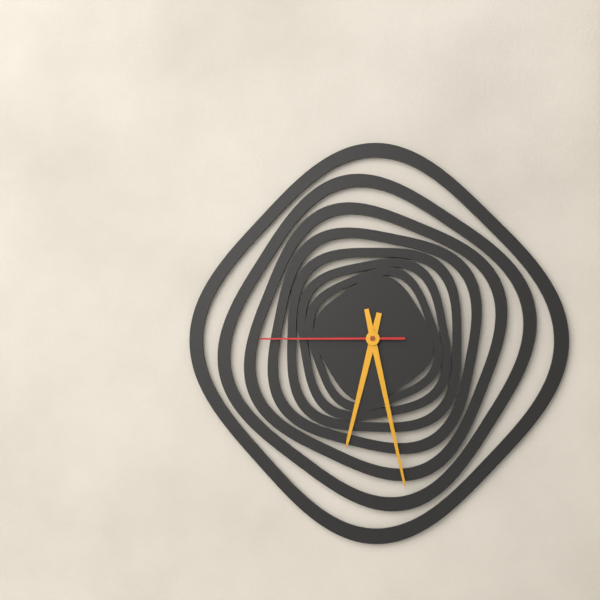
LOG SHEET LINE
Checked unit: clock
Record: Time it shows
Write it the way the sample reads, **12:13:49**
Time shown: **6:28:45**
